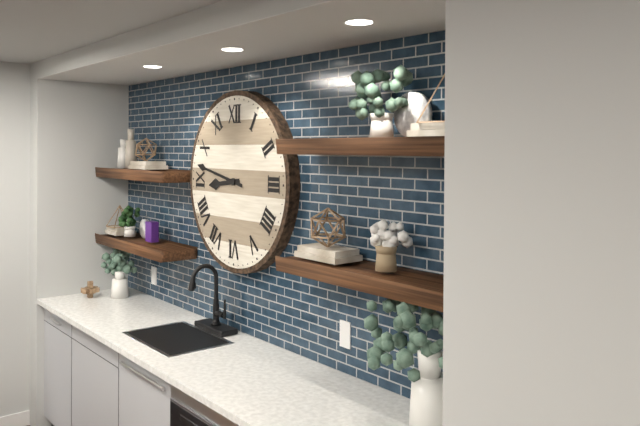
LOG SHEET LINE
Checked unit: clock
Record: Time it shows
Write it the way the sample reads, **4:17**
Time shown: **8:47**
